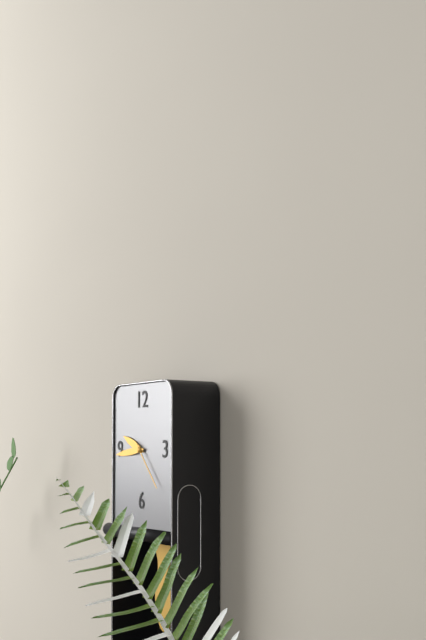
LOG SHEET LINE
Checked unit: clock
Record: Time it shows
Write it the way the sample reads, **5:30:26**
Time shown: **9:44:23**
